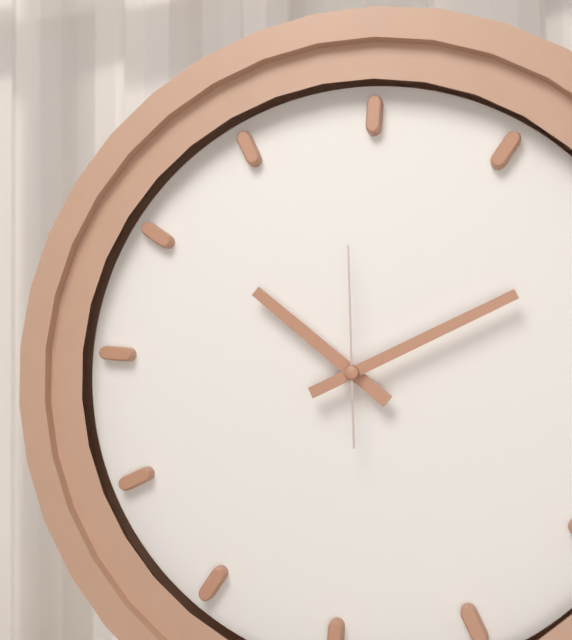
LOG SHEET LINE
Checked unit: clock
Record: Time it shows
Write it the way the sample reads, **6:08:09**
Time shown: **10:10:59**
